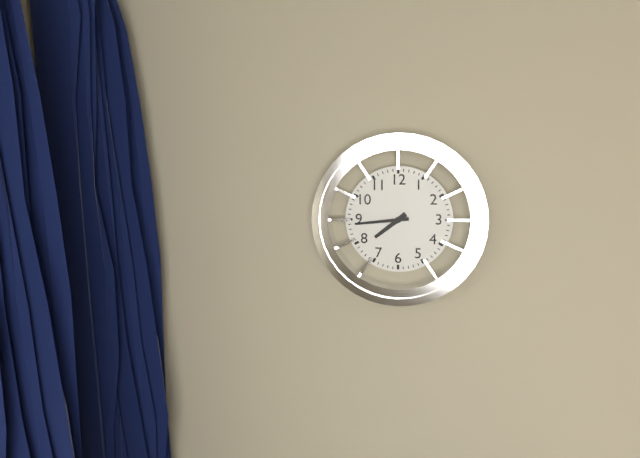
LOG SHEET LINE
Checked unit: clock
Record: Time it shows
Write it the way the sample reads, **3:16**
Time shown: **7:44**
